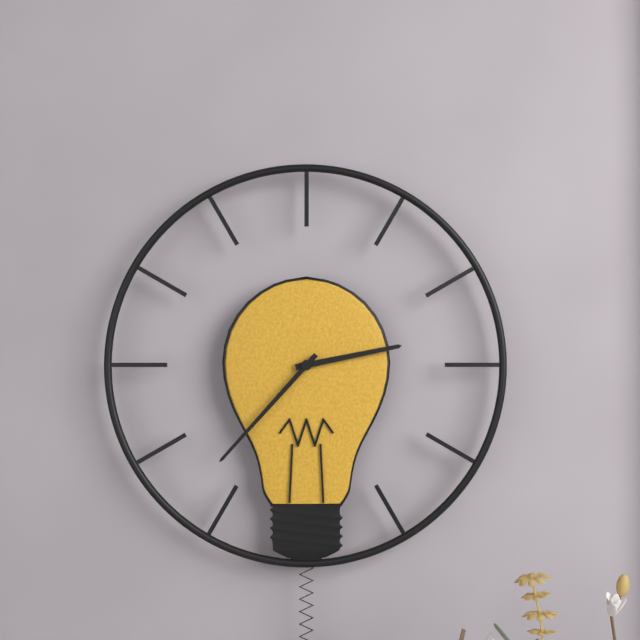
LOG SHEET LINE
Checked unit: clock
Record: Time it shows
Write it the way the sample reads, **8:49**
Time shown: **2:37**
